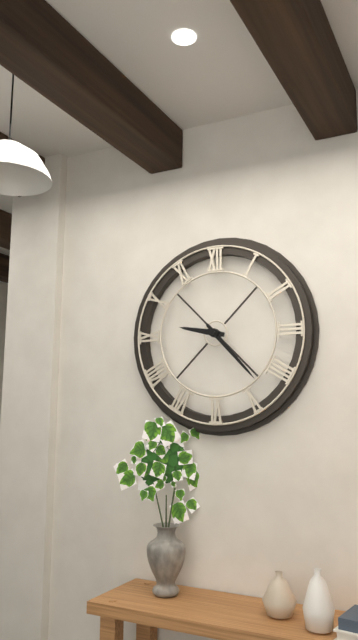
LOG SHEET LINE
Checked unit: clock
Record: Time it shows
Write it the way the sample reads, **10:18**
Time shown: **9:23**
